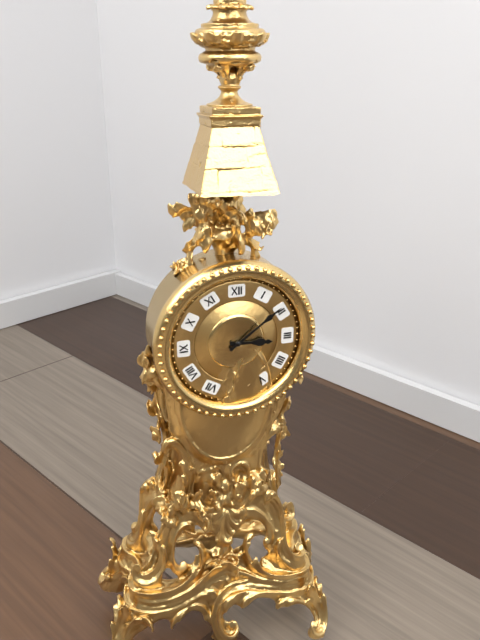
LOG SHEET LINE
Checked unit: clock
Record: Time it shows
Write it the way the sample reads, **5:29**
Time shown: **3:09**
